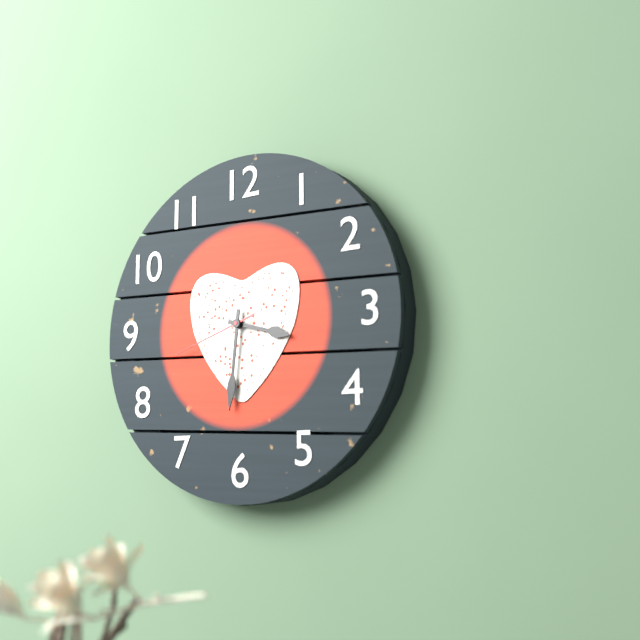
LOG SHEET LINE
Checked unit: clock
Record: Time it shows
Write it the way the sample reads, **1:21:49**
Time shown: **3:31:42**
